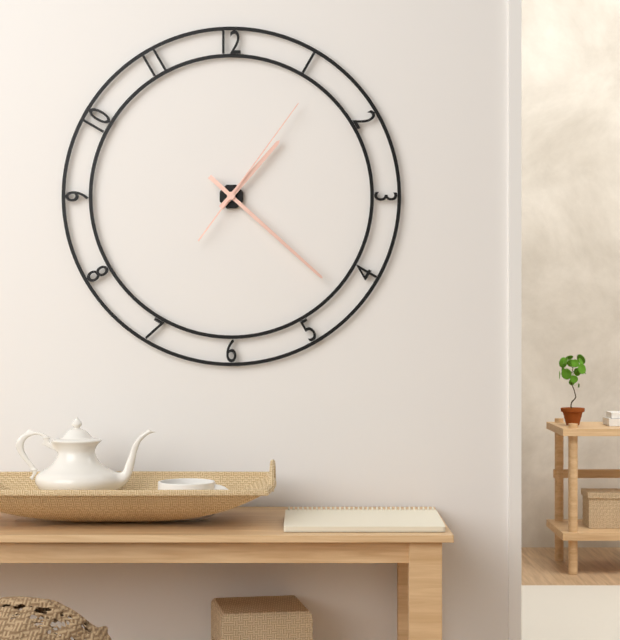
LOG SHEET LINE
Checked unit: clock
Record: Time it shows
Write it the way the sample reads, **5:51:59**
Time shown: **1:22:06**
